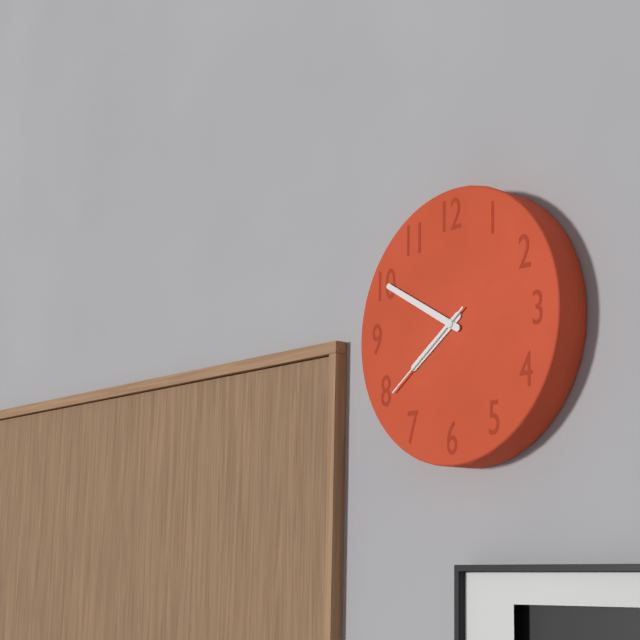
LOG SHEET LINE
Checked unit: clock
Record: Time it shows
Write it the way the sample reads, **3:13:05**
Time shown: **7:50:39**
